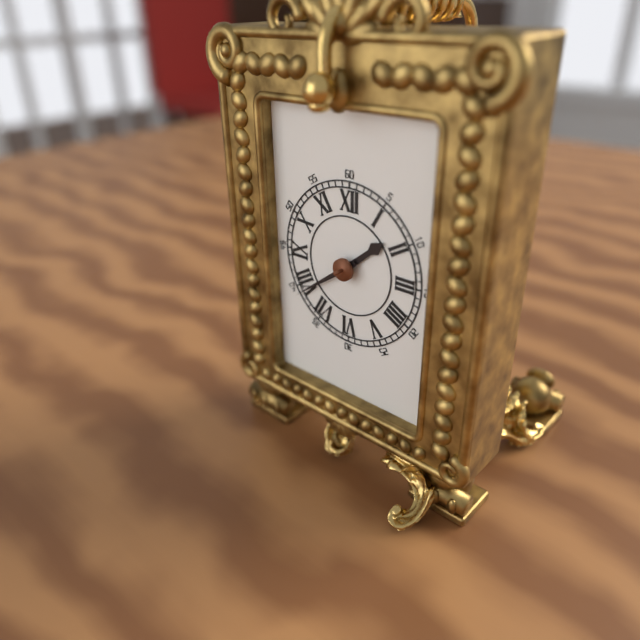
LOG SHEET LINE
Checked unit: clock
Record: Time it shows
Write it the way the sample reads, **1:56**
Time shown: **1:39**
